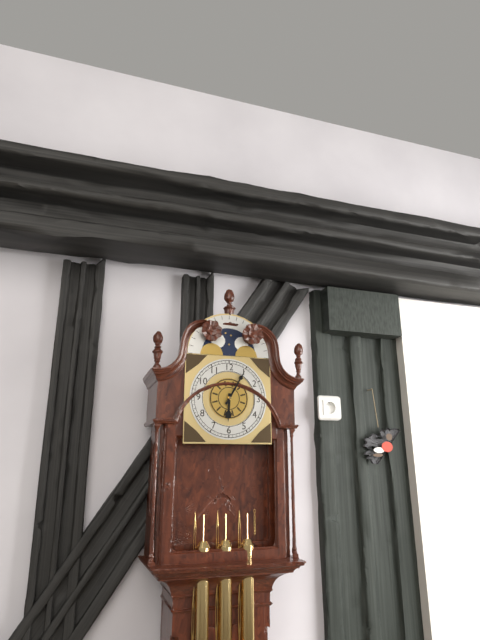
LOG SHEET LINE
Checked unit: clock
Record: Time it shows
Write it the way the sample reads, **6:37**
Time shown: **6:05**
